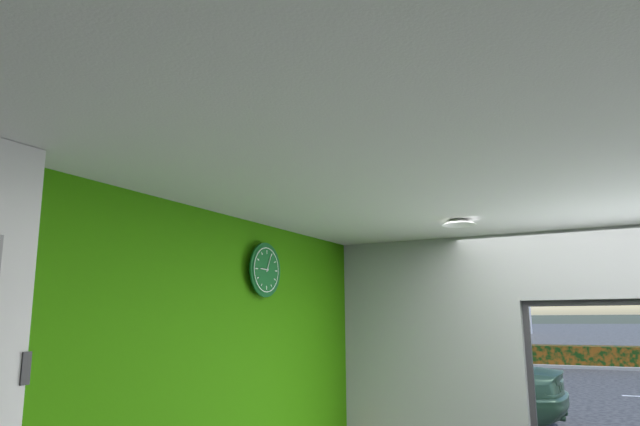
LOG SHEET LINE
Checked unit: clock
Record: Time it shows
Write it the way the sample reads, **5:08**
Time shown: **9:04**
